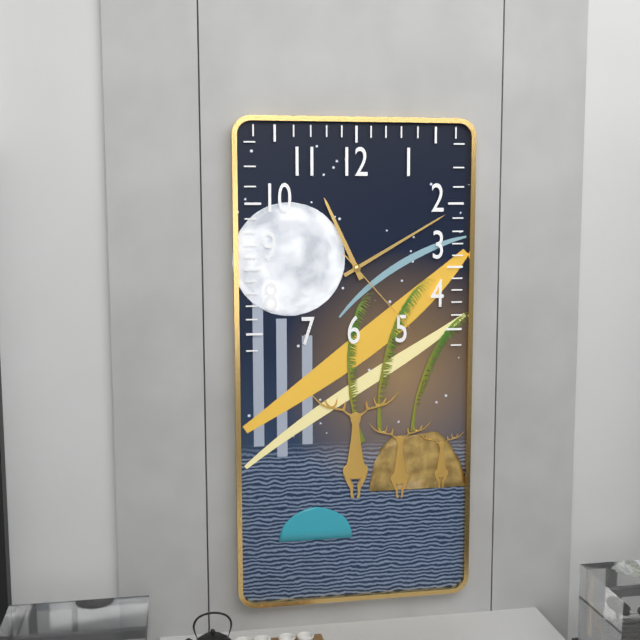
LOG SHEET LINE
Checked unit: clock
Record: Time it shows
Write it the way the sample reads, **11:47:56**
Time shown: **11:10:23**
